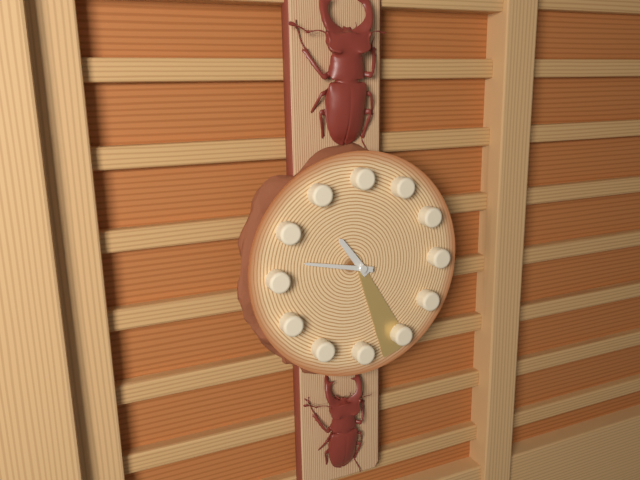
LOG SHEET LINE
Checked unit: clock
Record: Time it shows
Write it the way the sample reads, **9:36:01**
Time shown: **10:47:26**
